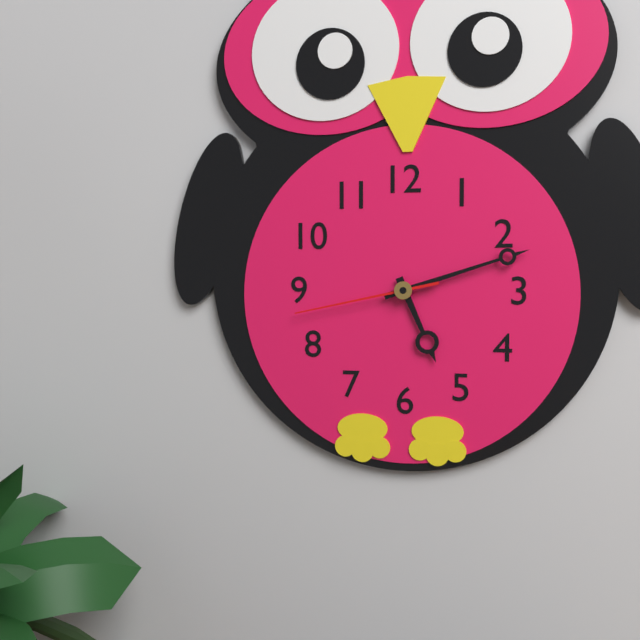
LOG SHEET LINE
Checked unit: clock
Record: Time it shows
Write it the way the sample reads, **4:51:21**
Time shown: **5:12:43**
